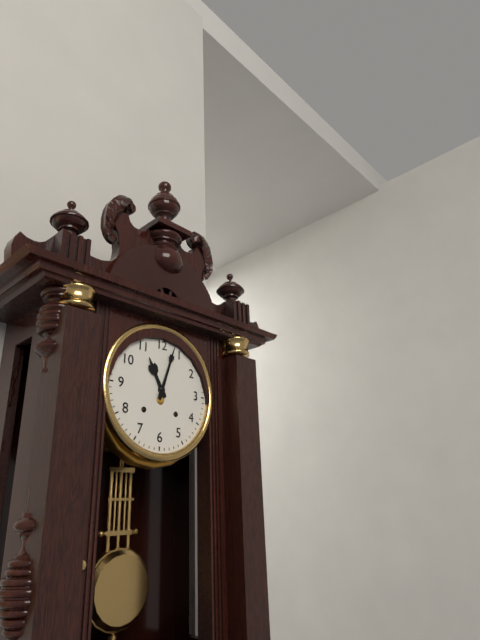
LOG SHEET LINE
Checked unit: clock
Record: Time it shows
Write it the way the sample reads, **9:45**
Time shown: **11:03**
